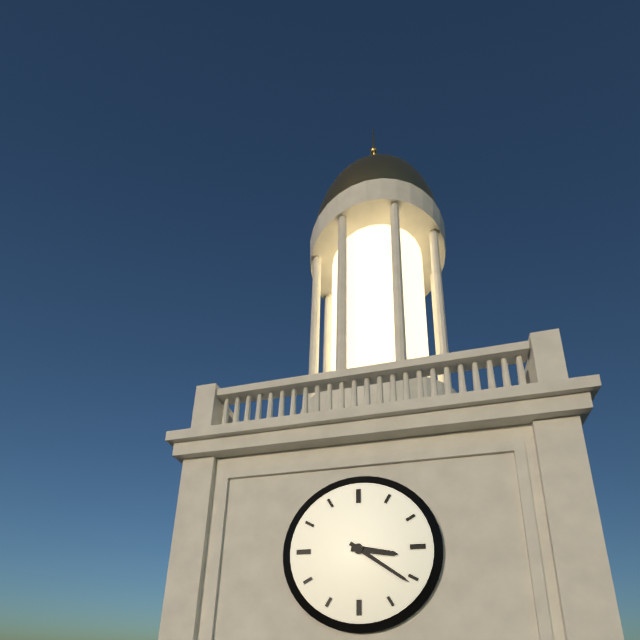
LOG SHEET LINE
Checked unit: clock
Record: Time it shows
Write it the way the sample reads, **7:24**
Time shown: **3:21**
